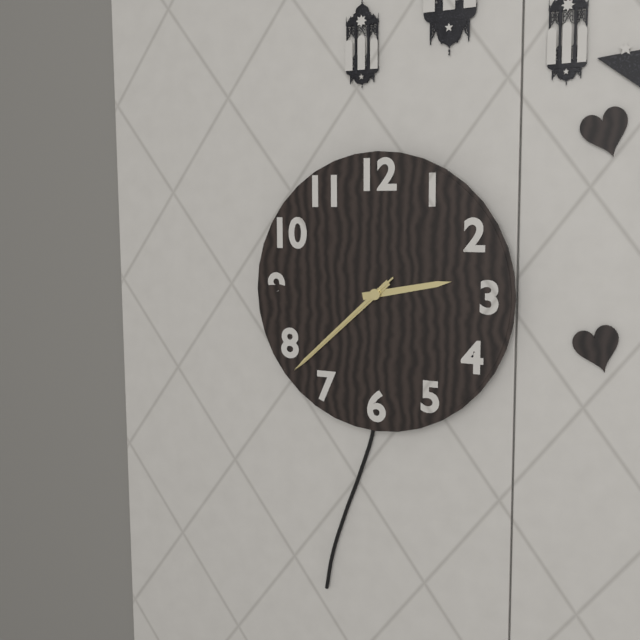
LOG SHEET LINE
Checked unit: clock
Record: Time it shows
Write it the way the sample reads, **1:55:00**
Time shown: **2:38:38**
